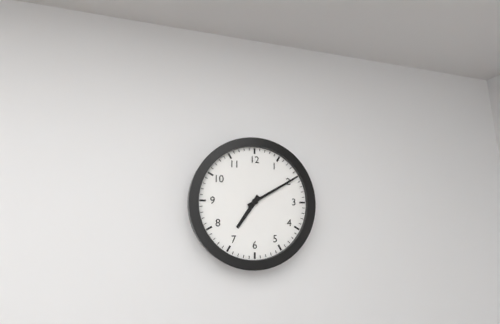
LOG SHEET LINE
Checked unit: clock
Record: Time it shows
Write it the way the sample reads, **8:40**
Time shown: **7:10**
